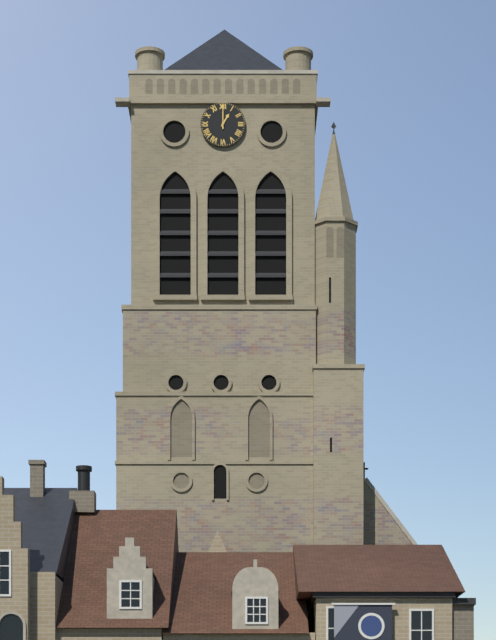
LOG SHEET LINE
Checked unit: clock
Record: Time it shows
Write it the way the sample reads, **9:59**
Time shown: **1:00**
